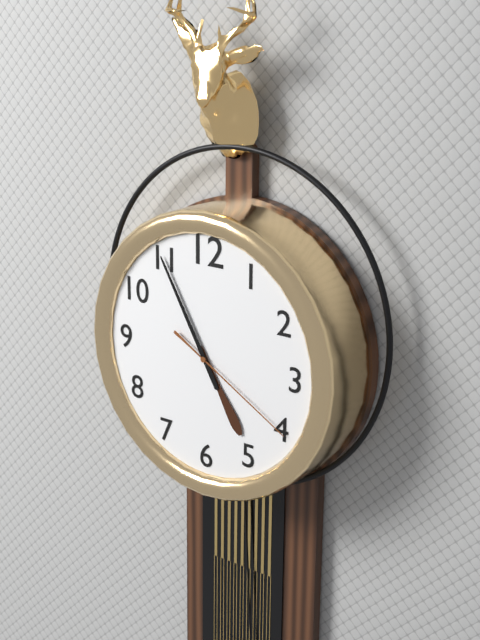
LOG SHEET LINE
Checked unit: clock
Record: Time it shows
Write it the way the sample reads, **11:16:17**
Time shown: **4:55:20**
